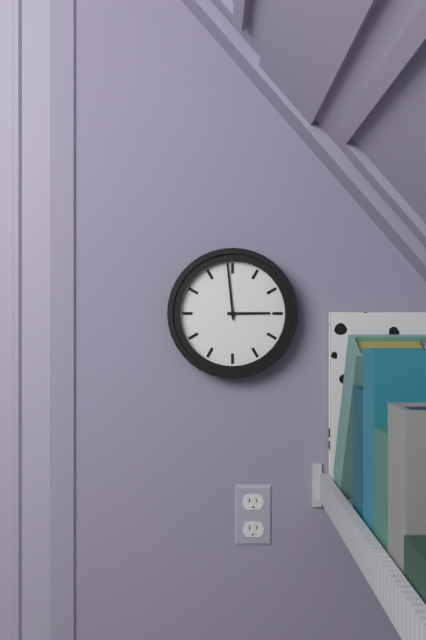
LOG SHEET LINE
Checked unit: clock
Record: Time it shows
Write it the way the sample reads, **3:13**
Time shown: **2:59**
